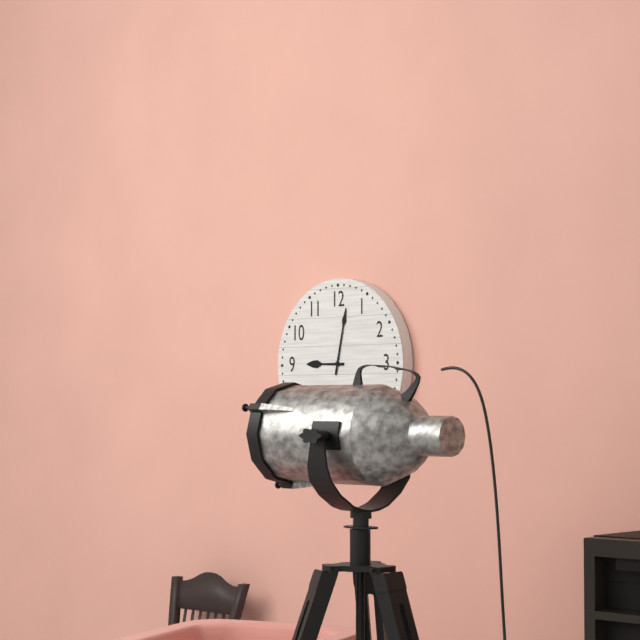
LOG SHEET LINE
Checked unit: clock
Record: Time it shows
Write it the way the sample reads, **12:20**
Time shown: **9:02**
